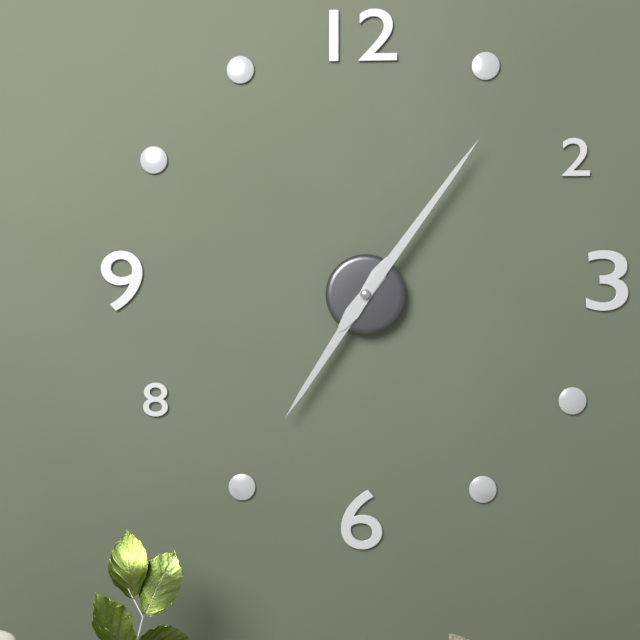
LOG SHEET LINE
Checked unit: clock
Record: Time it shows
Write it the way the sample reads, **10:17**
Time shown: **7:06**
